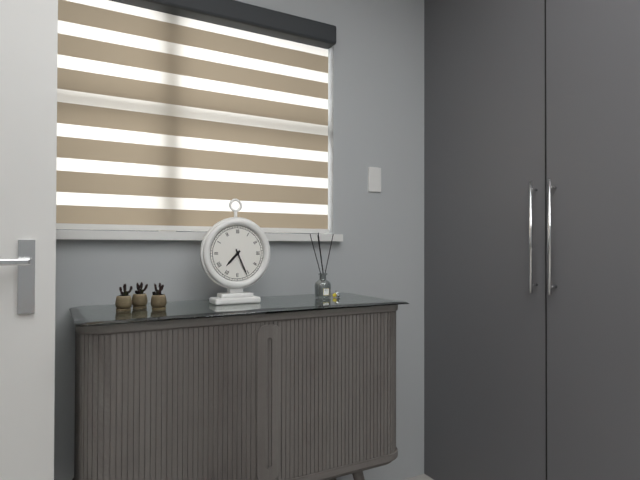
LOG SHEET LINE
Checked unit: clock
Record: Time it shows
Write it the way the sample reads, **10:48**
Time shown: **7:26**
